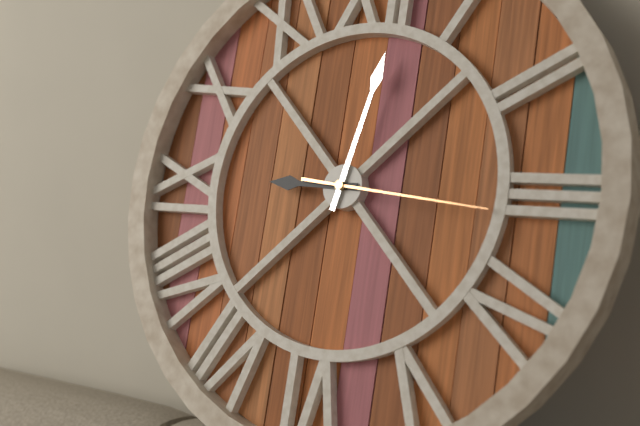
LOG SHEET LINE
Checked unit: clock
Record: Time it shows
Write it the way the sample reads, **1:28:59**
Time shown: **9:02:16**
